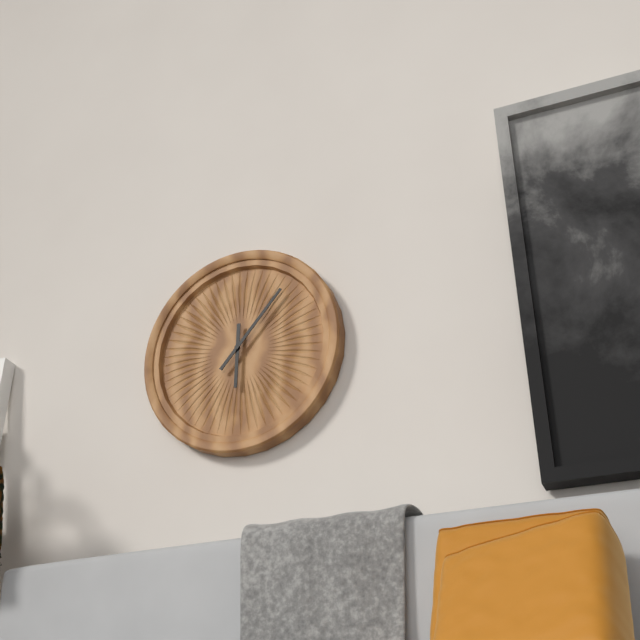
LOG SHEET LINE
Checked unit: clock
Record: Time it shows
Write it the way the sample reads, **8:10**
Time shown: **6:07**
